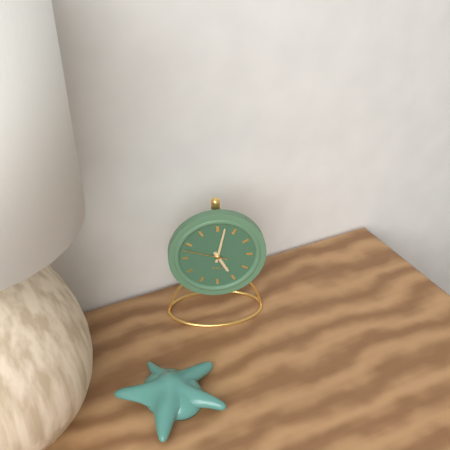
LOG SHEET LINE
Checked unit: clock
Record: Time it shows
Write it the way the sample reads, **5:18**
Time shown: **5:02**
